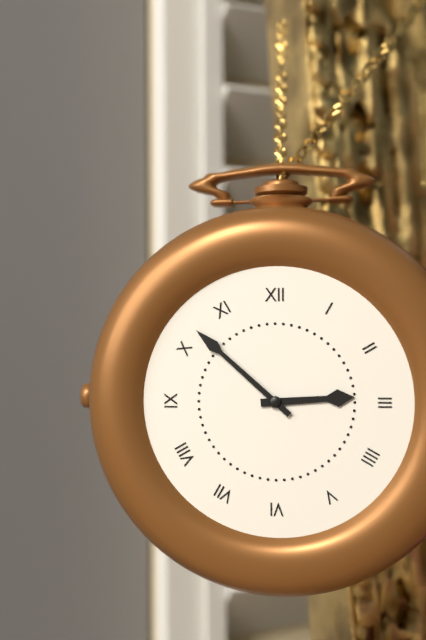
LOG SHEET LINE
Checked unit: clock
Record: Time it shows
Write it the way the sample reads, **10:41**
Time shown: **2:52**
